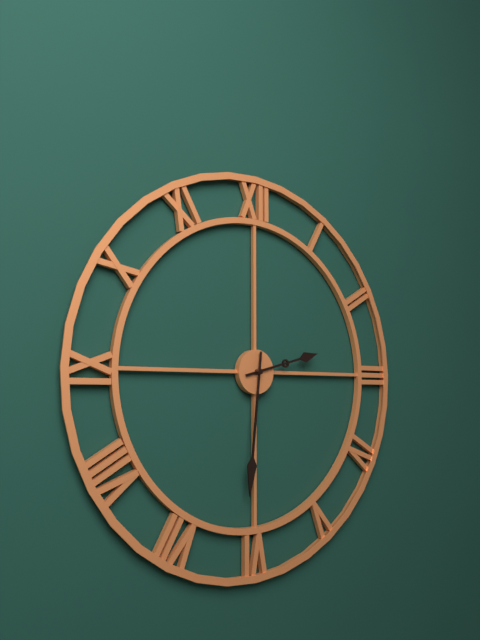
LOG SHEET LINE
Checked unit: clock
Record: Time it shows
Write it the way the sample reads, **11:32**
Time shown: **2:31**
